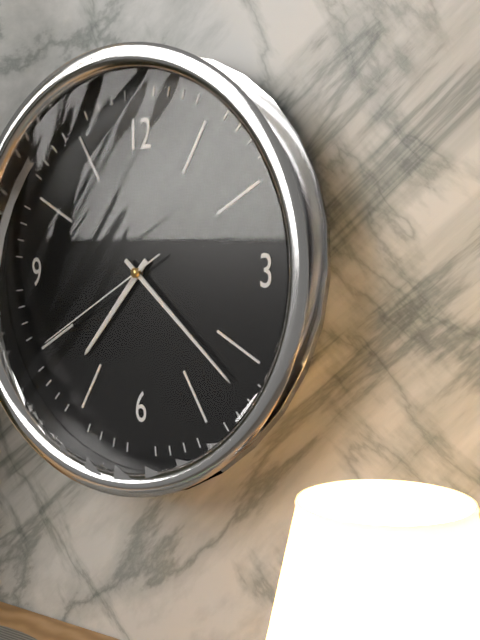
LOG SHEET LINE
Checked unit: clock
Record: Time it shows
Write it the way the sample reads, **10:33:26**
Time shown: **7:22:40**
